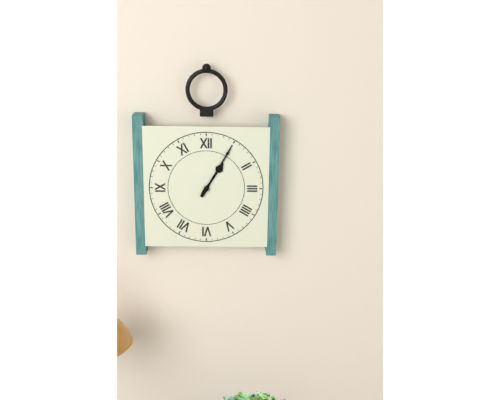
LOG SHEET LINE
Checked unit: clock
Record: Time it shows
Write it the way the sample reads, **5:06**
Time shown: **1:05**
